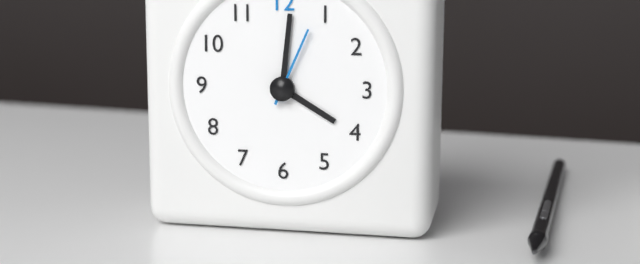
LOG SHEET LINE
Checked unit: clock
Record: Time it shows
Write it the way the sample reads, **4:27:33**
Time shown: **4:01:04**
